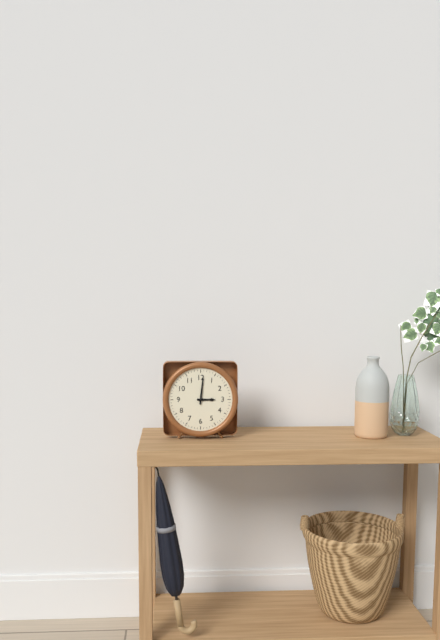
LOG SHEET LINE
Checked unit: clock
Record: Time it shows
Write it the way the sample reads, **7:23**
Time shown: **3:01**
